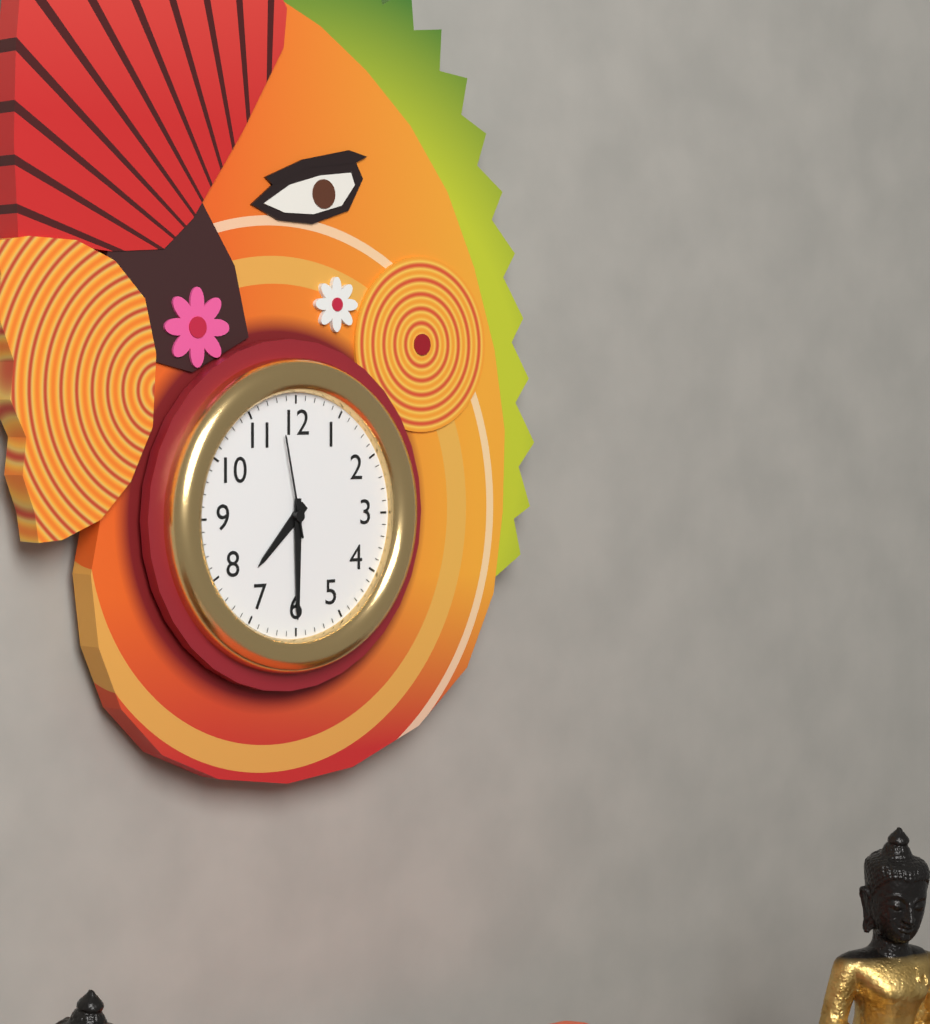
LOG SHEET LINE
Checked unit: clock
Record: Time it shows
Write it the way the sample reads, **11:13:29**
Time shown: **7:30:58**
